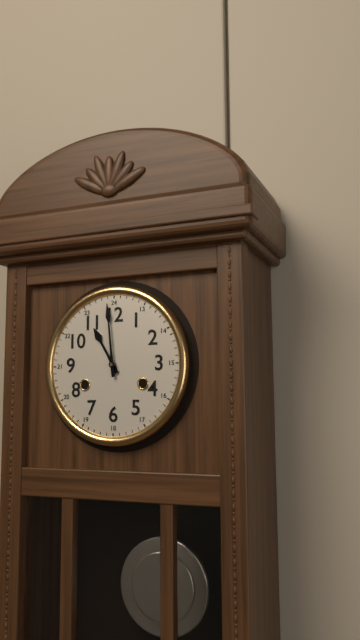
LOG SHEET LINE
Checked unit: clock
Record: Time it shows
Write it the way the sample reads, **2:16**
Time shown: **10:59**
